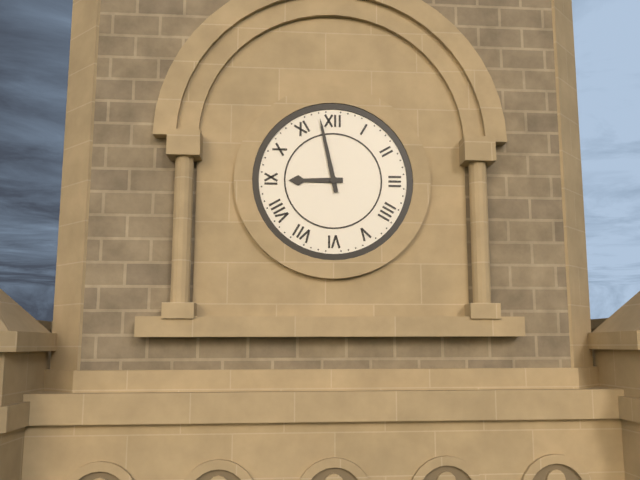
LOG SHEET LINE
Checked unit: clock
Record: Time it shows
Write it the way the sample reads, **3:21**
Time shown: **8:58**
